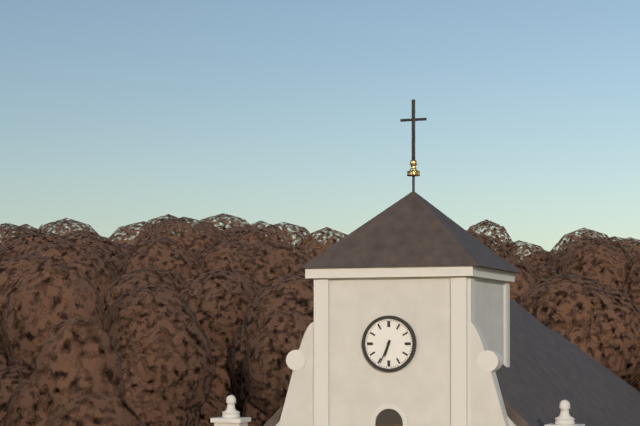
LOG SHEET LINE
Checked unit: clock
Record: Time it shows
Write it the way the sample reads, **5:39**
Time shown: **6:34**
